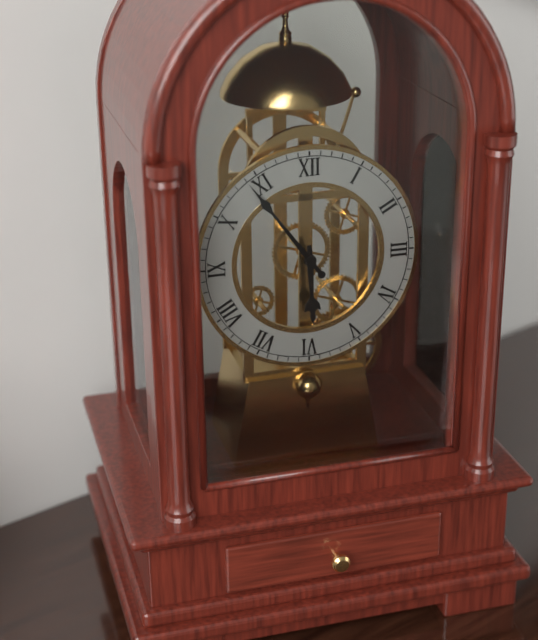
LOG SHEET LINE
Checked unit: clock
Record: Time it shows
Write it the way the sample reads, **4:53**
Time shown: **5:54**
